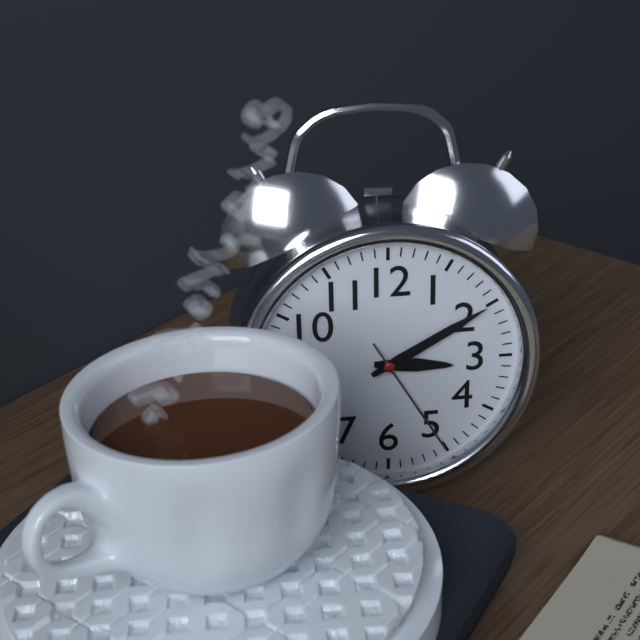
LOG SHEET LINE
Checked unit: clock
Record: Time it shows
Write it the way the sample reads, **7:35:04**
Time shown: **3:10:25**
